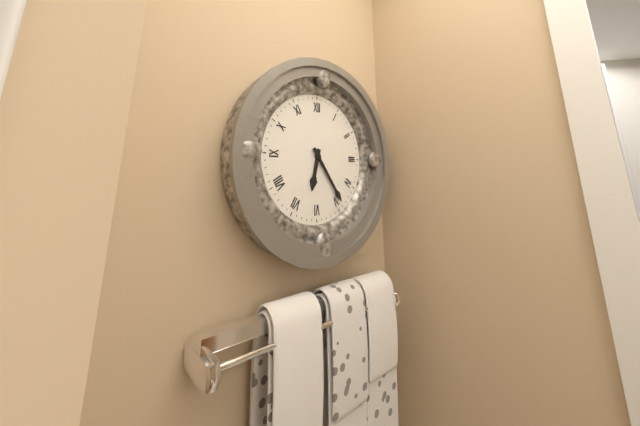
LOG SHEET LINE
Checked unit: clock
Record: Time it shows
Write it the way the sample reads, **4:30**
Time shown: **6:24**
